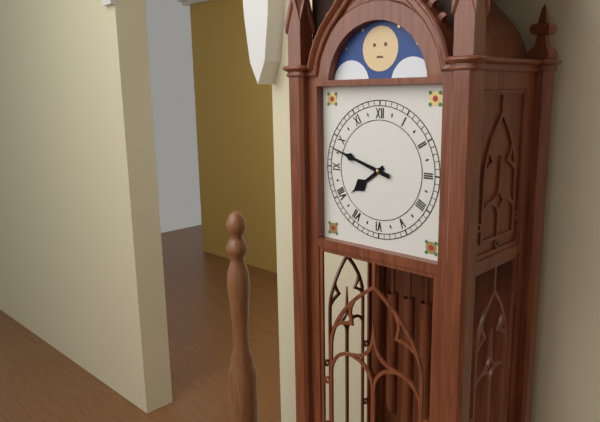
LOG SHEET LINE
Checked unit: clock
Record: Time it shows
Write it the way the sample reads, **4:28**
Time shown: **7:48**
